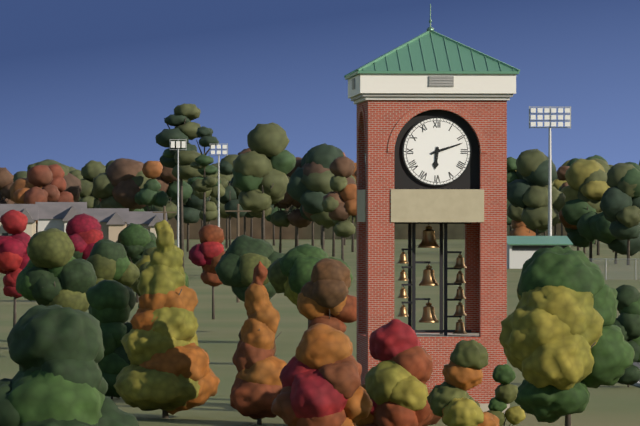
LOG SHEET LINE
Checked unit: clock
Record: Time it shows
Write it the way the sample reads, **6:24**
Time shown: **6:12**
